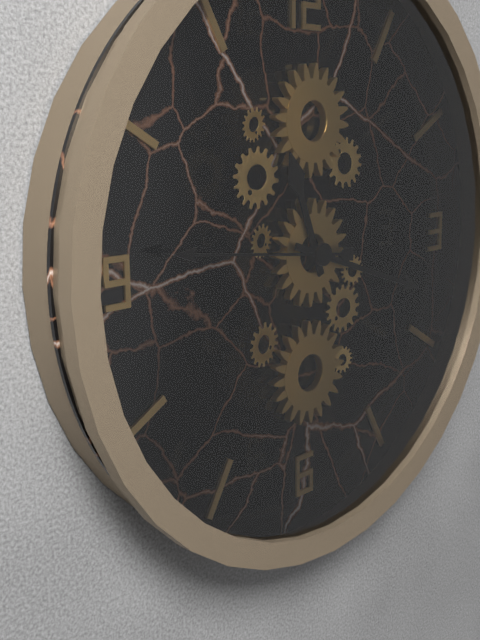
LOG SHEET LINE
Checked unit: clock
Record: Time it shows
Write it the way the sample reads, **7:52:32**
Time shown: **11:18:46**
